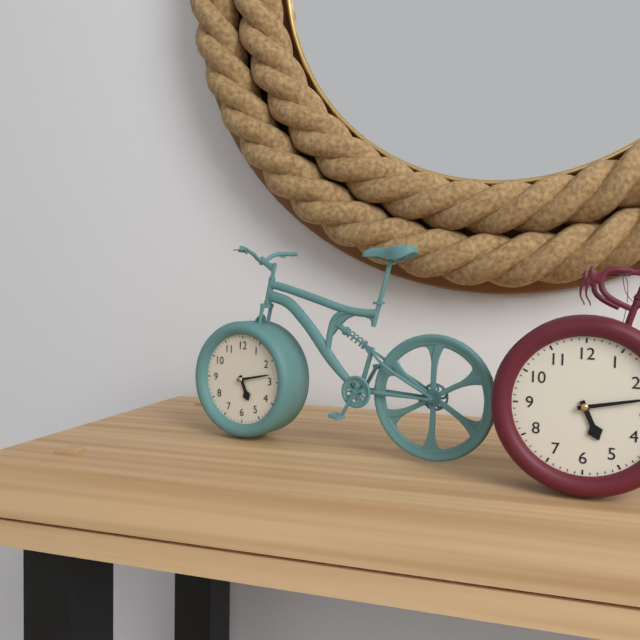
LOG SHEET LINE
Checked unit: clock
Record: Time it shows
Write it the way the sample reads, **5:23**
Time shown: **5:13**
